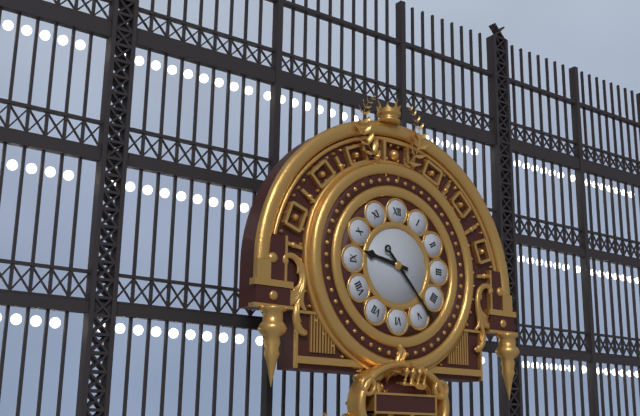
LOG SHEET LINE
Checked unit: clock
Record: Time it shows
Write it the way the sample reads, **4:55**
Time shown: **9:23**
